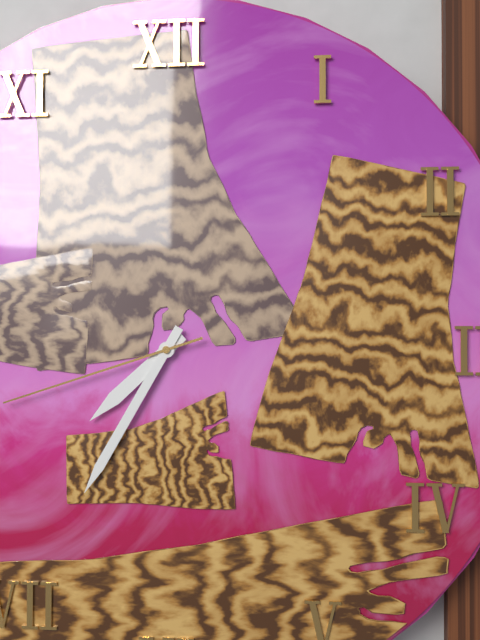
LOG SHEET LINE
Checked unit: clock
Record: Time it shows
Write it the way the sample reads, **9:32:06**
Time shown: **7:35:42**
